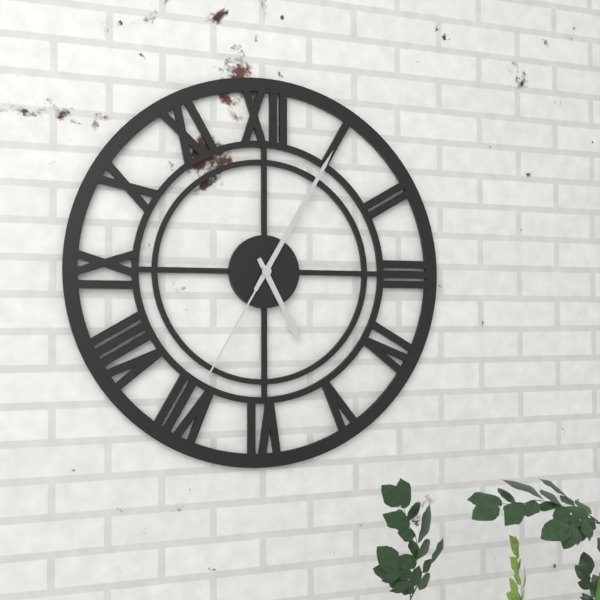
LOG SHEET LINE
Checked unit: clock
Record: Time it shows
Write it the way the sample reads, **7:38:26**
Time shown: **5:05:35**
